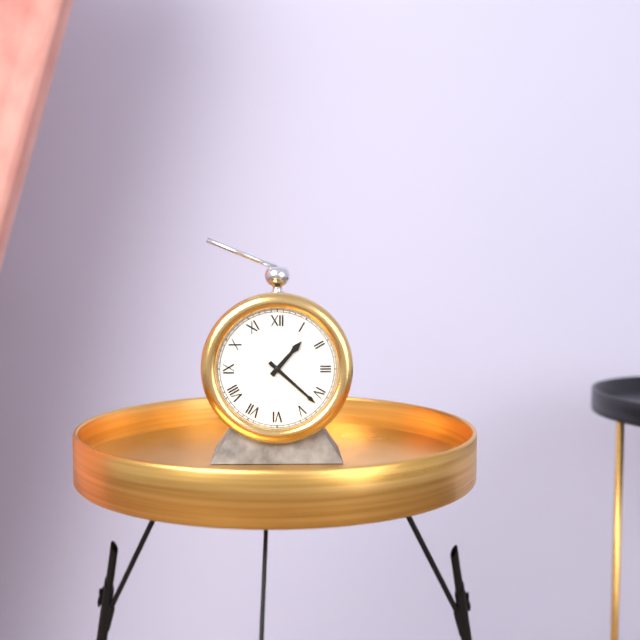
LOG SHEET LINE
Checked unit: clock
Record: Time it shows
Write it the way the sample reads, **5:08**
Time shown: **1:22**
